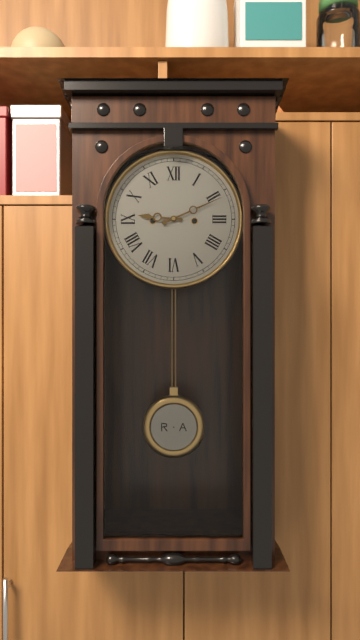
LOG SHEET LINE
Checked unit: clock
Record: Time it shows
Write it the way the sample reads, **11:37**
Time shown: **9:11**
